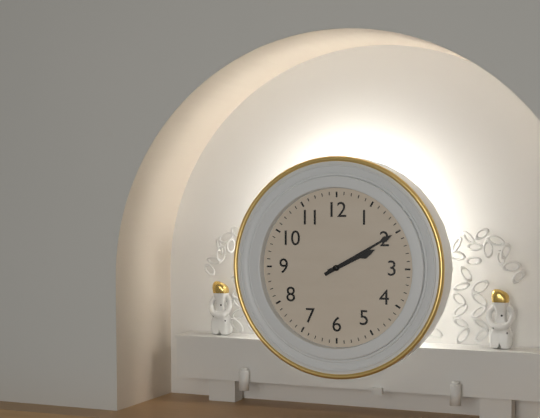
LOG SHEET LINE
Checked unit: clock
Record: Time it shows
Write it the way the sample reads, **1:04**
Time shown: **2:10**
